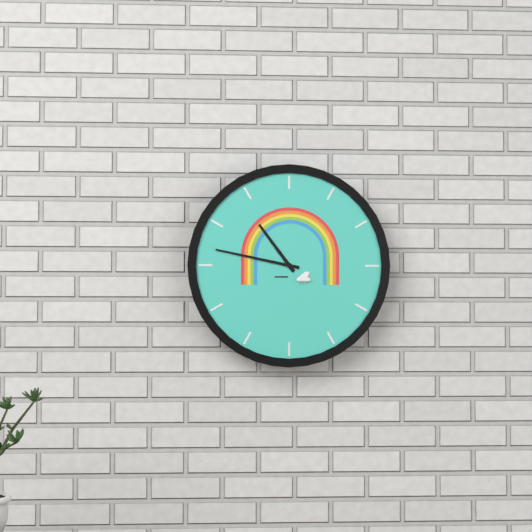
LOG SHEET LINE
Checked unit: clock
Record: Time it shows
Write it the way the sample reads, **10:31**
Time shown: **10:47**
